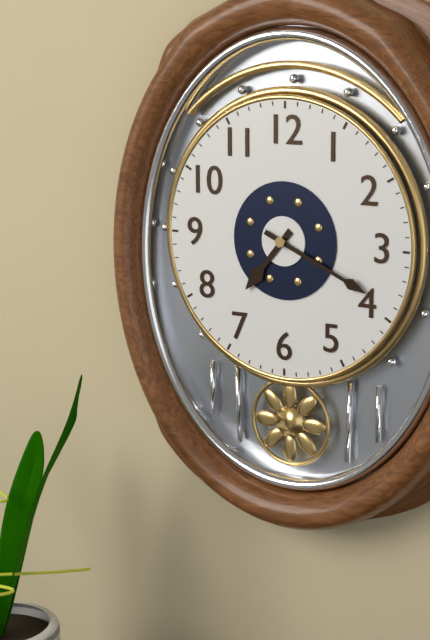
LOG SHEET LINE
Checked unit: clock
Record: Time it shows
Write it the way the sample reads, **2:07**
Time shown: **7:19**
